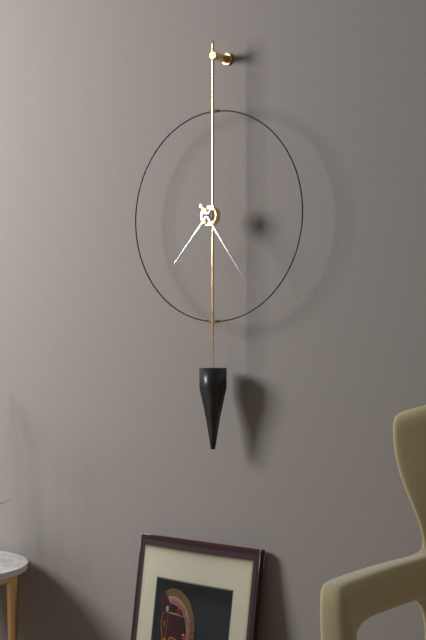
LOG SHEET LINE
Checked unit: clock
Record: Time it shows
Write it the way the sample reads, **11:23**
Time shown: **7:24**
